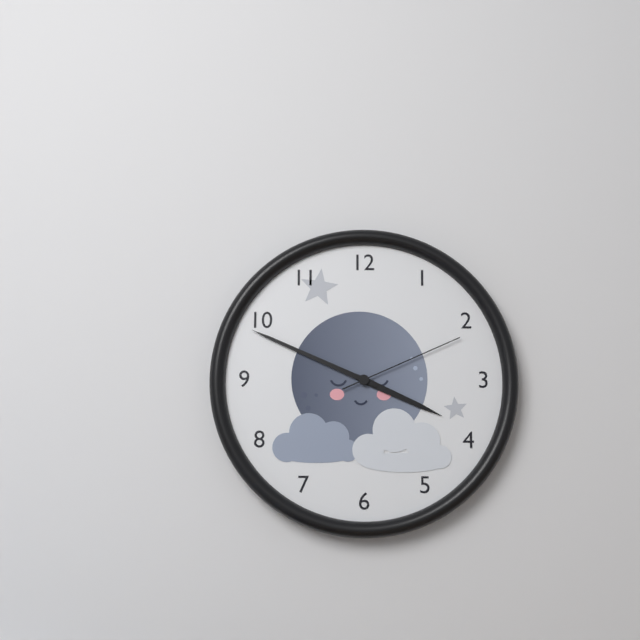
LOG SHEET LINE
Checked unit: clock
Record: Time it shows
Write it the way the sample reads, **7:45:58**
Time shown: **3:49:11**
